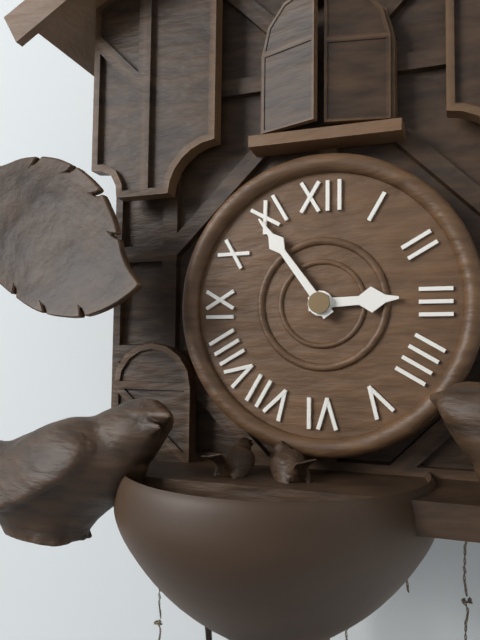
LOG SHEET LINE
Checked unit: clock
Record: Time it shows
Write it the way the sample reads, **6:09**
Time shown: **2:54**
